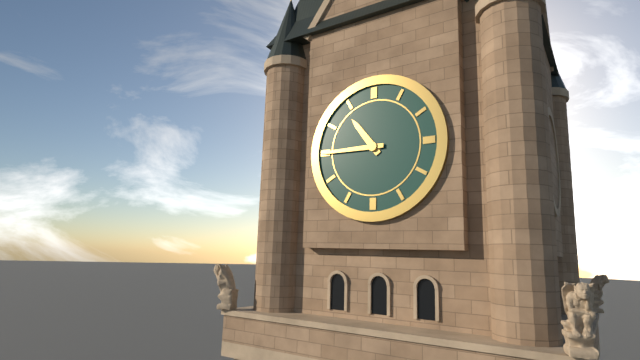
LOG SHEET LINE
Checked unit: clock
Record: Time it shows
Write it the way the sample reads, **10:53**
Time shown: **10:45**
